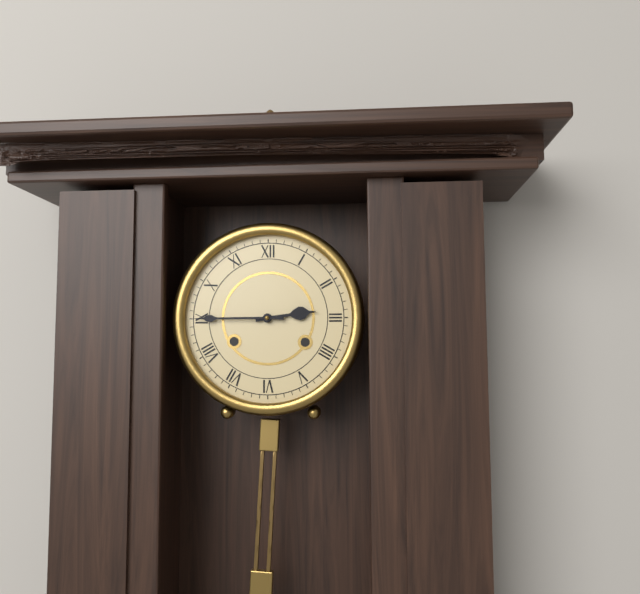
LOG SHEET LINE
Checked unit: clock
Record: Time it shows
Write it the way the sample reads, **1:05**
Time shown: **2:45**
